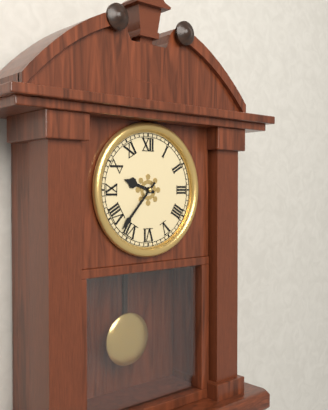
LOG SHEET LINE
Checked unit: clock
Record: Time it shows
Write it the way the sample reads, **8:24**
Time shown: **9:37**
